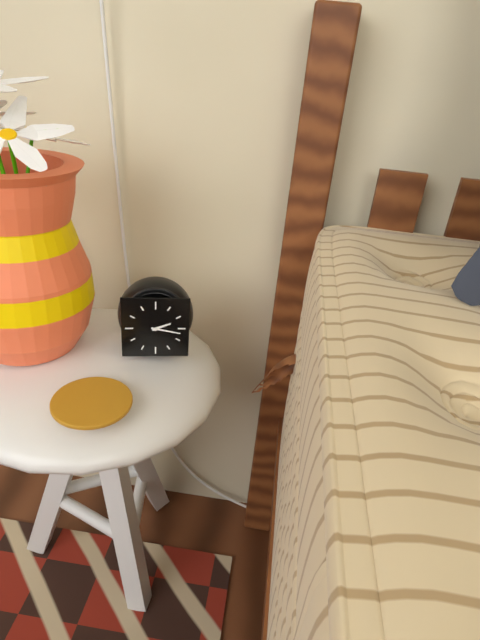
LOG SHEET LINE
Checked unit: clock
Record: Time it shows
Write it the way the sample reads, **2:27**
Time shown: **2:17**
